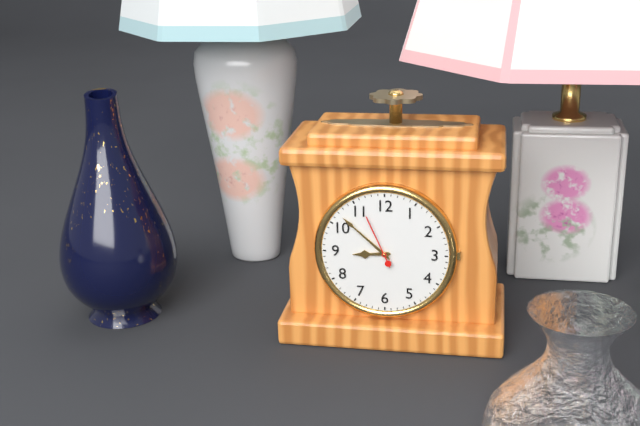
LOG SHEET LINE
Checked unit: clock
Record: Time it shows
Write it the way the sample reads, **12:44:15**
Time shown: **8:52:56**
